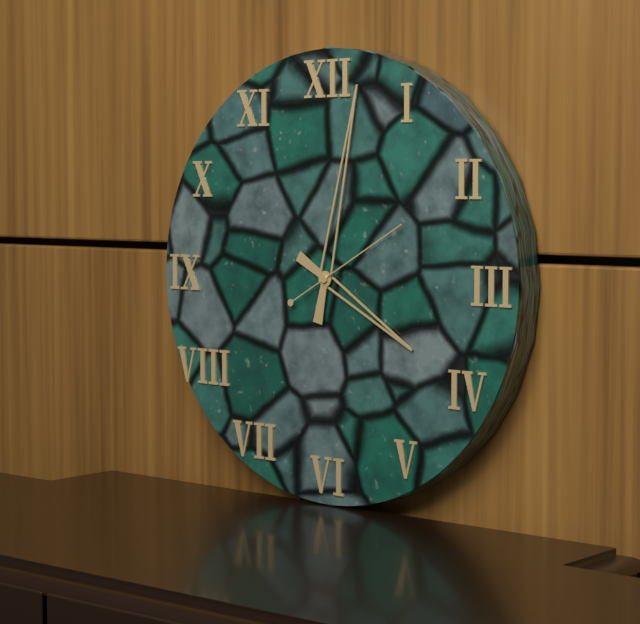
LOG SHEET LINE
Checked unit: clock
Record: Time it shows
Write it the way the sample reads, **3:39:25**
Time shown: **4:02:10**
